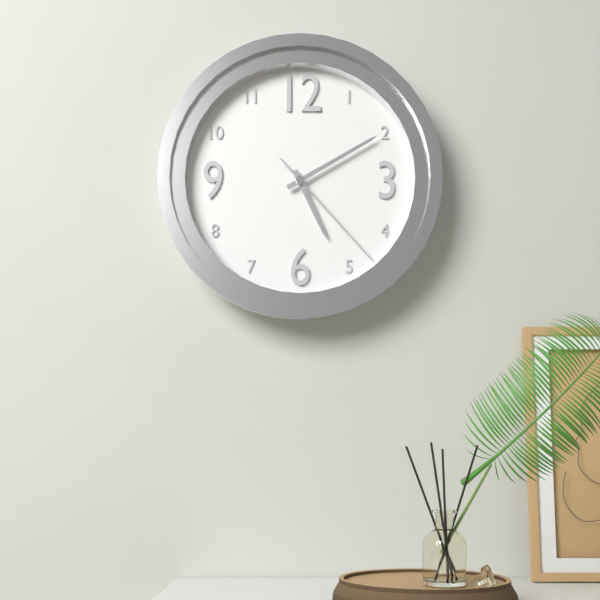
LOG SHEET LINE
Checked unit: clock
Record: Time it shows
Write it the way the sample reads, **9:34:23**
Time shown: **5:10:23**
